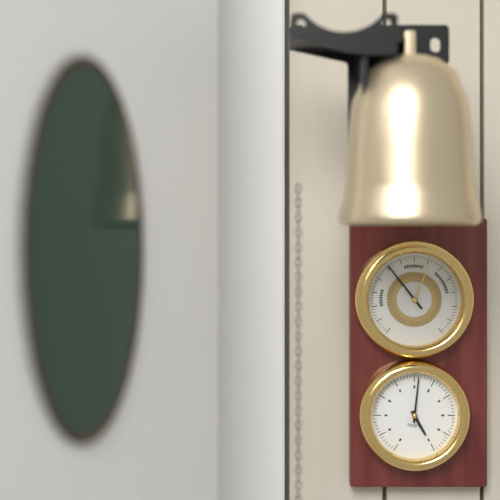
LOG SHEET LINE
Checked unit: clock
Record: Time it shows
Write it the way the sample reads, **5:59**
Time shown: **5:01**
